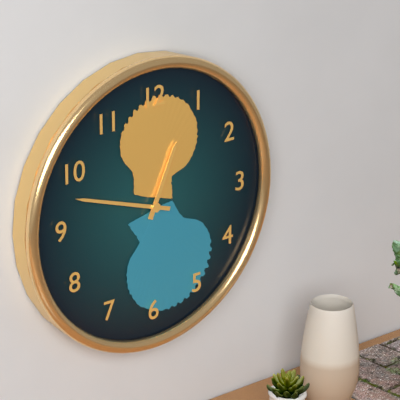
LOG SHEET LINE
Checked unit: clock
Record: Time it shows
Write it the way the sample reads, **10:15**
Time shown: **12:48**
